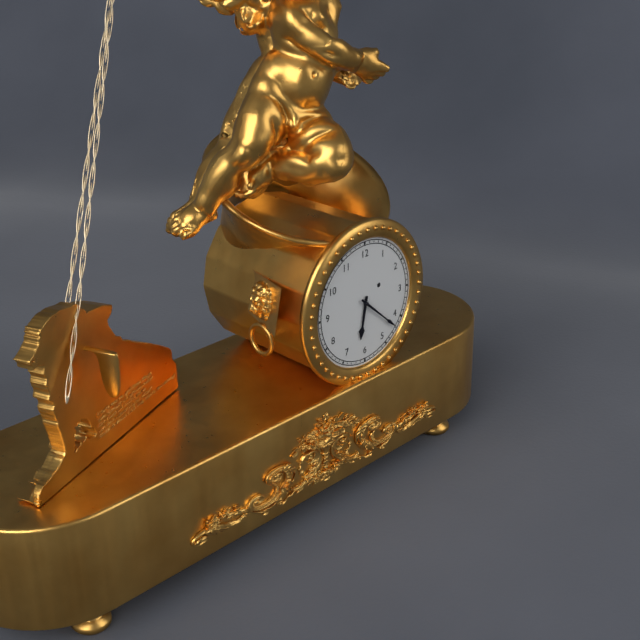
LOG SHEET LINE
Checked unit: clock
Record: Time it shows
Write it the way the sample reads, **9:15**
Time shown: **6:22**
